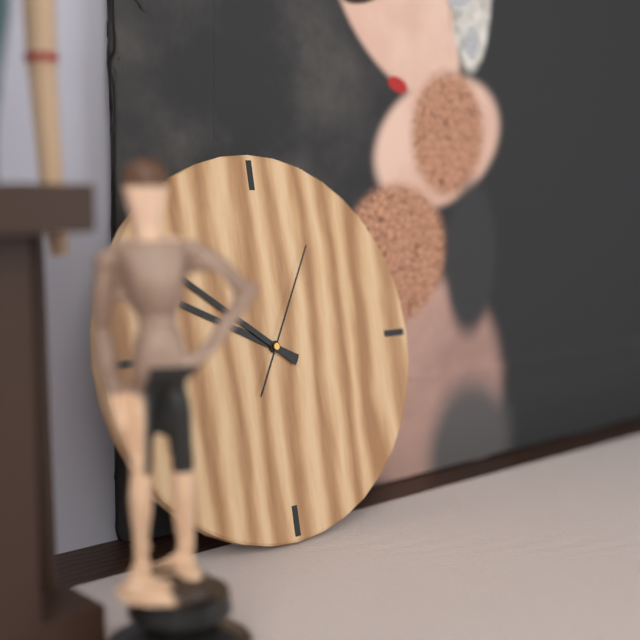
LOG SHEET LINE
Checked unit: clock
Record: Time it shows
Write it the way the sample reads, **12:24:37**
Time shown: **9:51:05**
